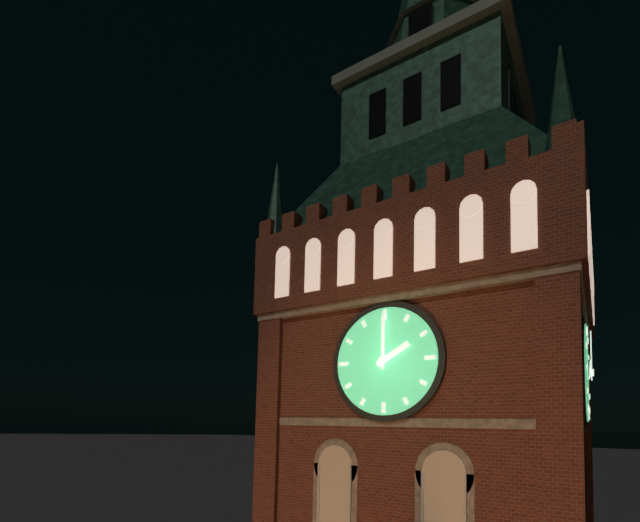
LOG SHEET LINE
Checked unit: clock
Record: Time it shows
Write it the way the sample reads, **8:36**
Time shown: **2:00**
